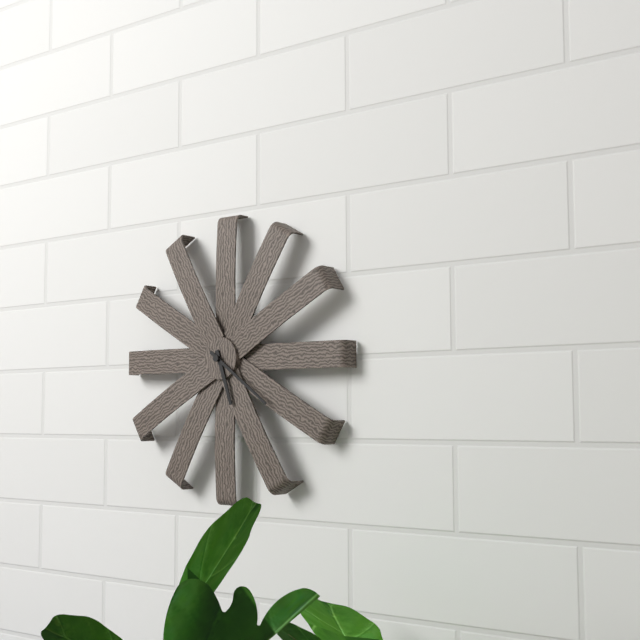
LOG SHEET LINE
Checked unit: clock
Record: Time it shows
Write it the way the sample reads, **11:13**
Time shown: **5:21**
